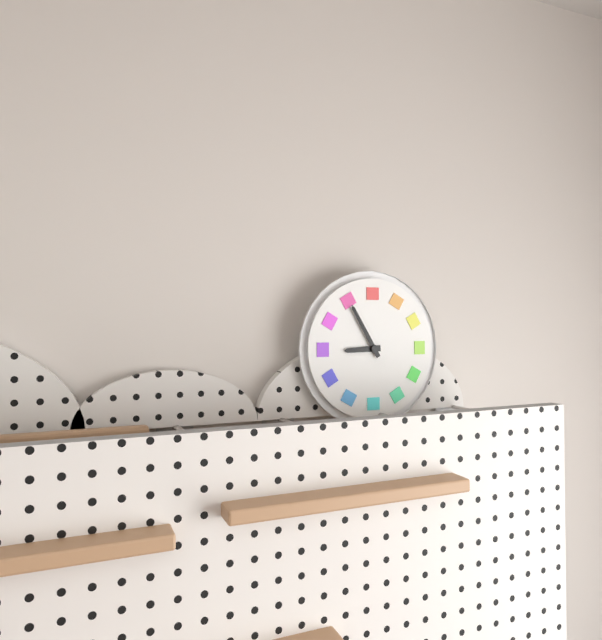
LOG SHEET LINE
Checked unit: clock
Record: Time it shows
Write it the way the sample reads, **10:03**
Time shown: **8:55**
